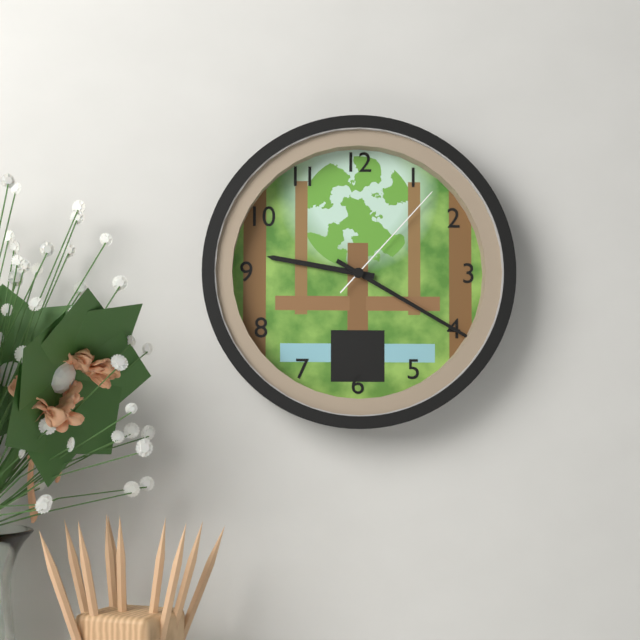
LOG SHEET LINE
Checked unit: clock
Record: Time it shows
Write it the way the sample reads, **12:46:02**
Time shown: **9:20:07**
